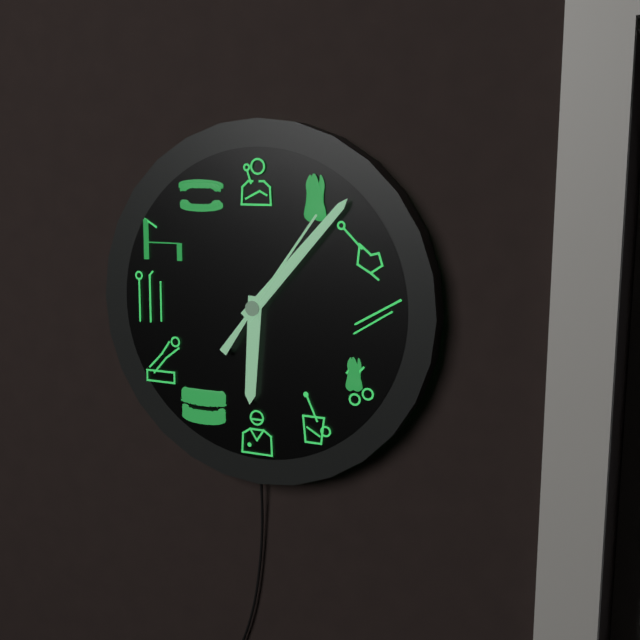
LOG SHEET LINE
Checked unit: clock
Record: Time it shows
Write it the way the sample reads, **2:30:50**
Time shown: **6:07:06**
